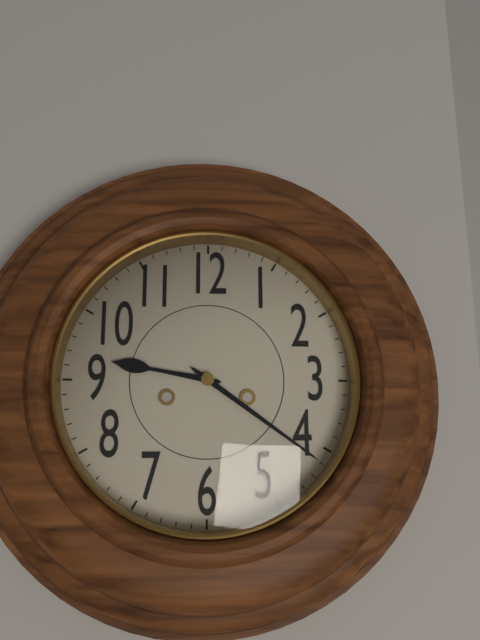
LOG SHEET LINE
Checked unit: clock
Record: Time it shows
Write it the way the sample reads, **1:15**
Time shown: **9:21**
